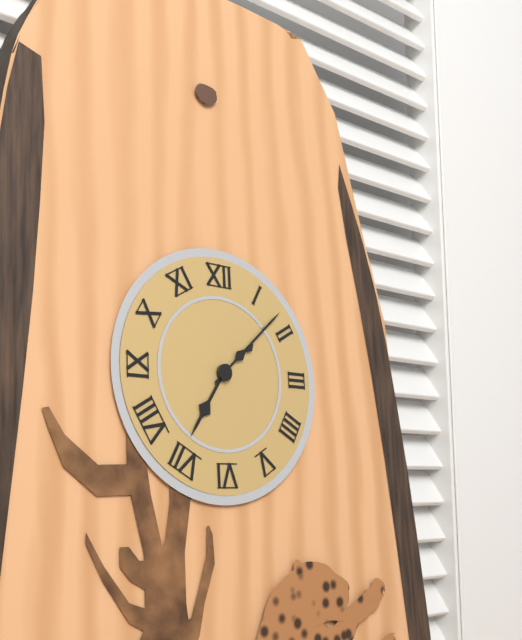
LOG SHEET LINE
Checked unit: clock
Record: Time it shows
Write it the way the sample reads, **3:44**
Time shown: **7:08**
